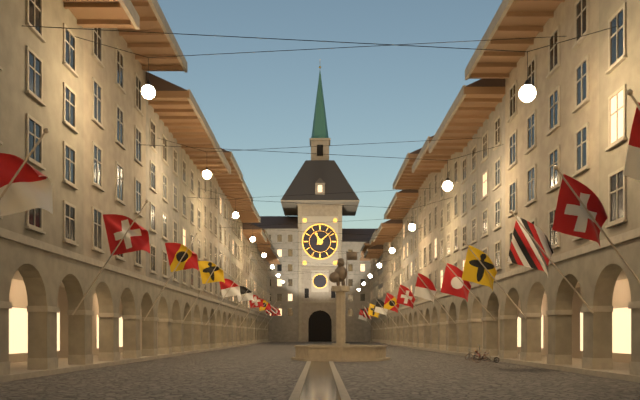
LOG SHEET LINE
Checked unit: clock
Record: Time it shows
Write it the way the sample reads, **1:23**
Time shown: **11:08**
